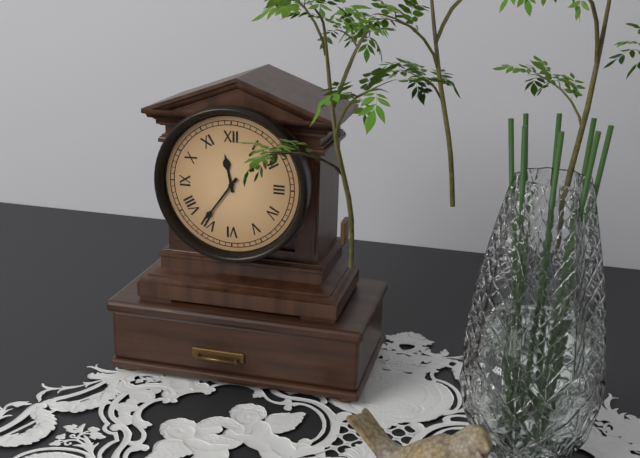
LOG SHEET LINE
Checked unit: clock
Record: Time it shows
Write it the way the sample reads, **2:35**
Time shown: **11:36**
